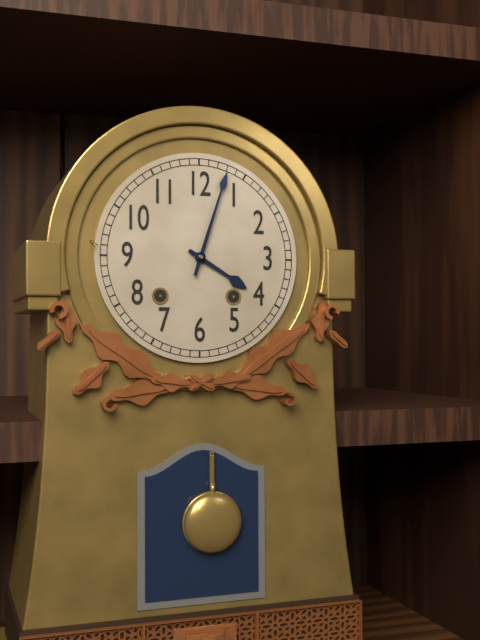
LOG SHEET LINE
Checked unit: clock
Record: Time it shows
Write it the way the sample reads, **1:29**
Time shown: **4:03**
